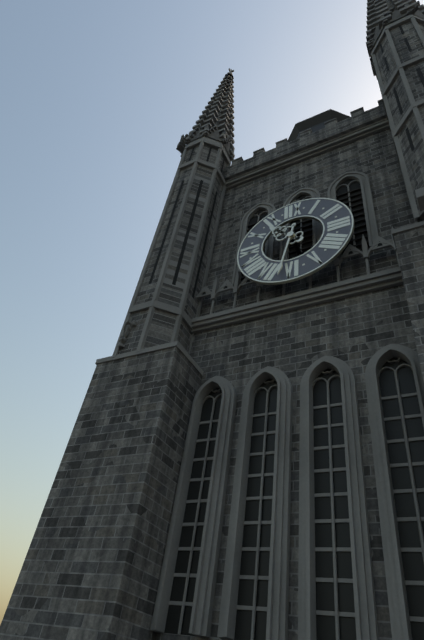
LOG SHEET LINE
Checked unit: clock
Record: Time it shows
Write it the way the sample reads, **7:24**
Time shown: **10:32**
